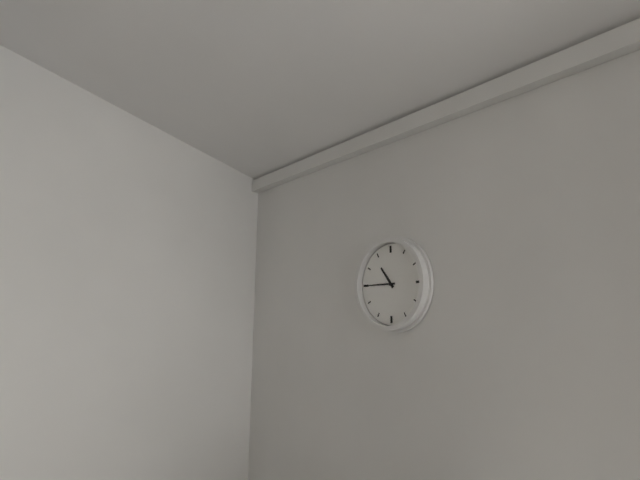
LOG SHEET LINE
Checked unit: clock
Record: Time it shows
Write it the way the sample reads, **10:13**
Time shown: **10:45**
